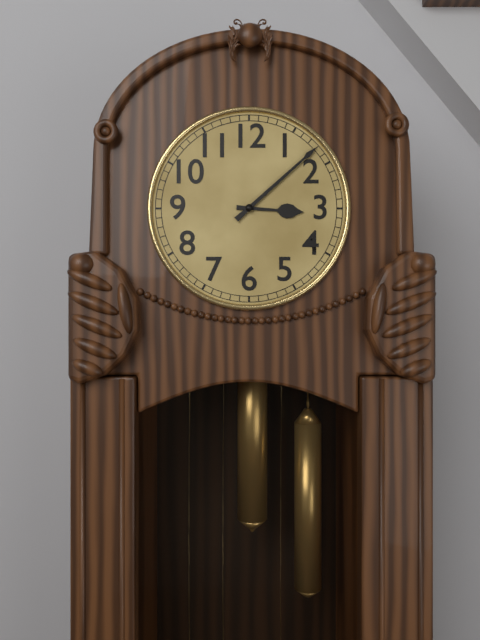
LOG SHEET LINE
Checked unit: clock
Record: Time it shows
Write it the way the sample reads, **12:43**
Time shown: **3:08**
